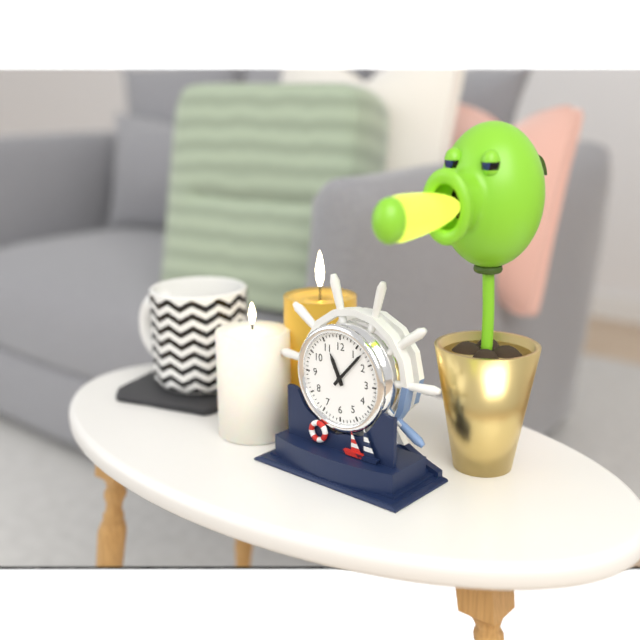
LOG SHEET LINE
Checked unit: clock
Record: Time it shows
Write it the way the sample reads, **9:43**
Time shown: **11:07**
